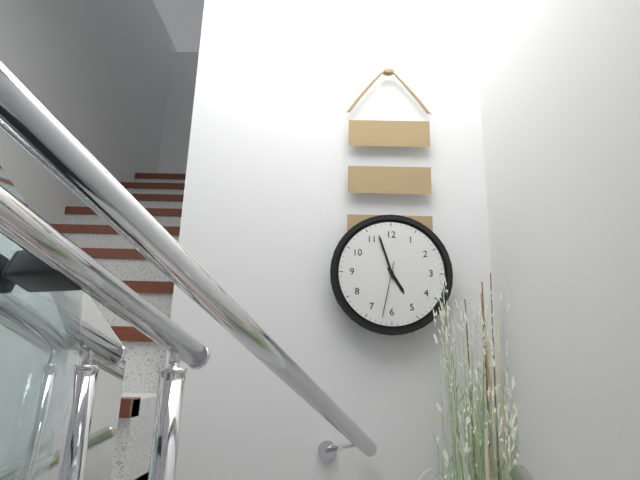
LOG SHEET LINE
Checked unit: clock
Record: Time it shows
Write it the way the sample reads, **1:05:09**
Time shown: **4:57:32**
